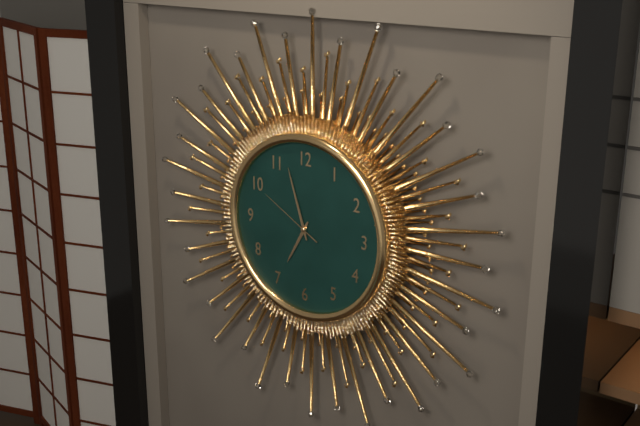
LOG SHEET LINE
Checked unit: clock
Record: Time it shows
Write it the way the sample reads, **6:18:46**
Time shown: **6:57:50**
